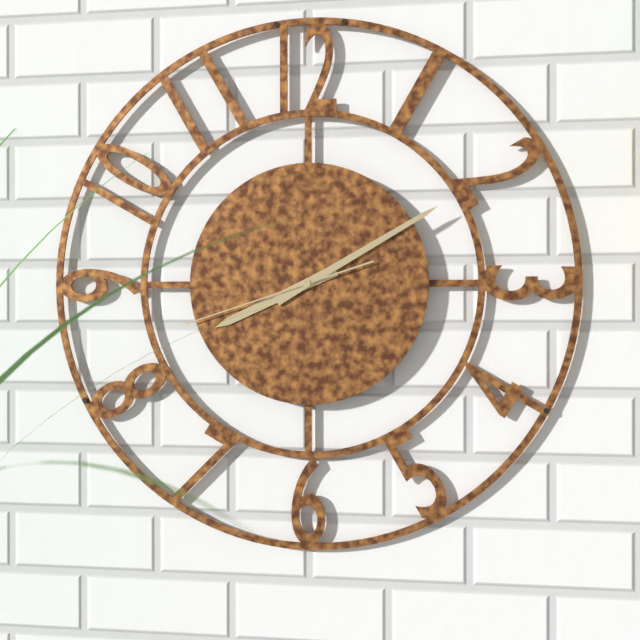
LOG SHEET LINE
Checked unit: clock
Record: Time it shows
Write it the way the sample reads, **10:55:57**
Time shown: **8:10:42**
